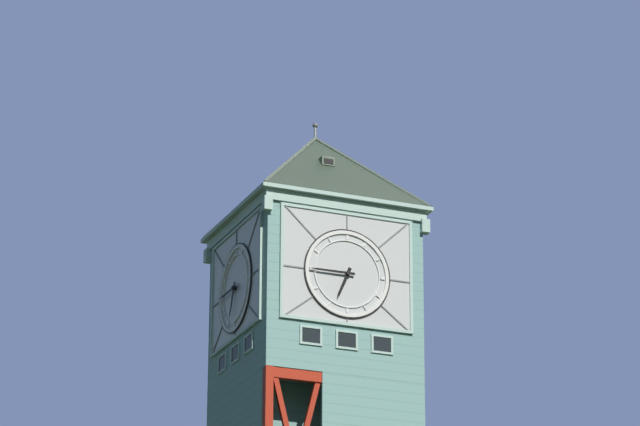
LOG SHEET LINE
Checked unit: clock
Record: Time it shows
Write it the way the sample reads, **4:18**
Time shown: **6:45**
